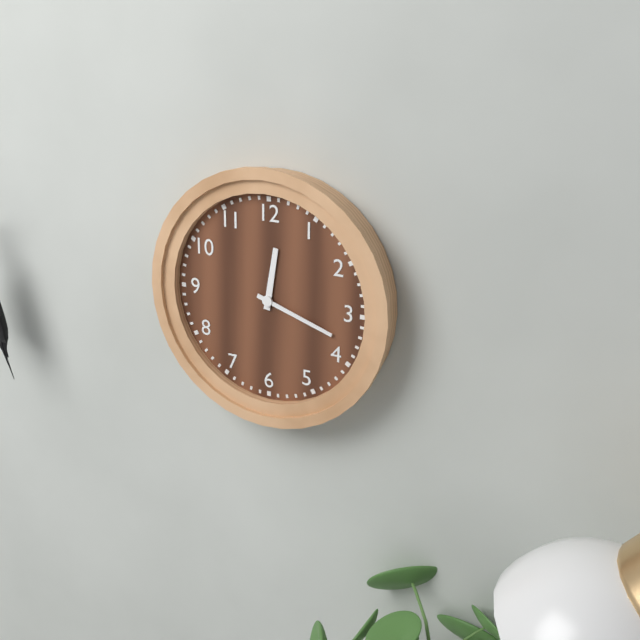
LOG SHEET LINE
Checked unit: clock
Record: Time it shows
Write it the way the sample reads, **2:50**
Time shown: **12:18**
